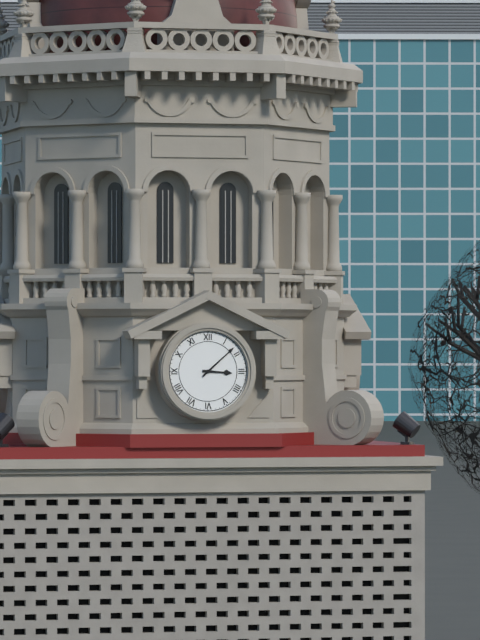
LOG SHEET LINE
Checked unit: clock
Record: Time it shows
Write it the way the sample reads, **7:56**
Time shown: **3:08**
